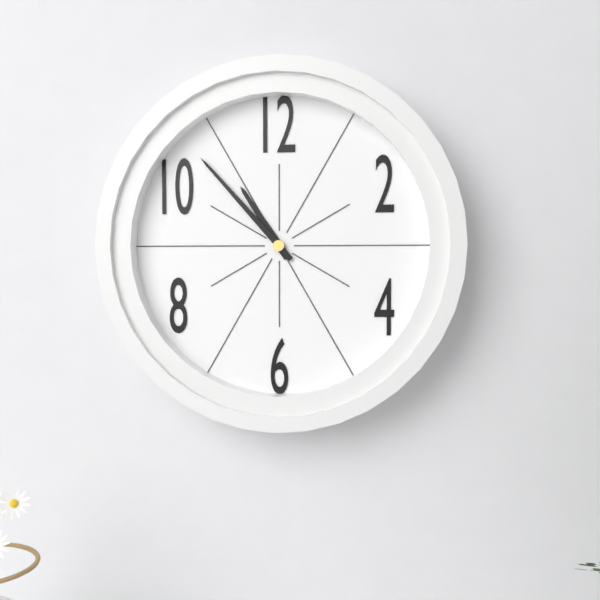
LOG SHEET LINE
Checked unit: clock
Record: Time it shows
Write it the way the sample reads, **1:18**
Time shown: **10:53**
